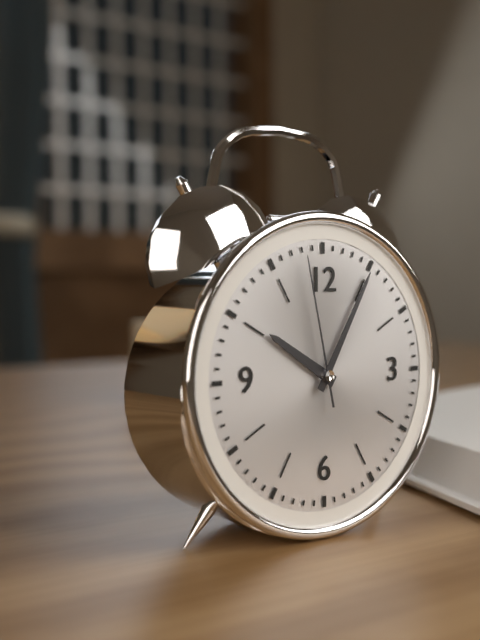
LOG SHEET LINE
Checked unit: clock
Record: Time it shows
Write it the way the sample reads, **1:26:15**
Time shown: **10:05:58**
